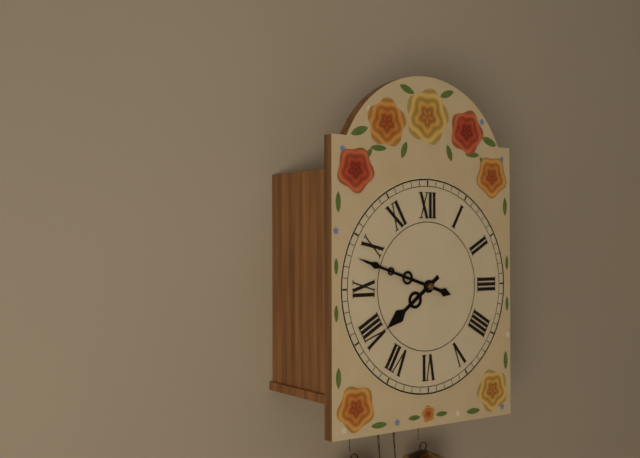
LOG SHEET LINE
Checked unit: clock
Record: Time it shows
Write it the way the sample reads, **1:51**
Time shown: **7:48**
